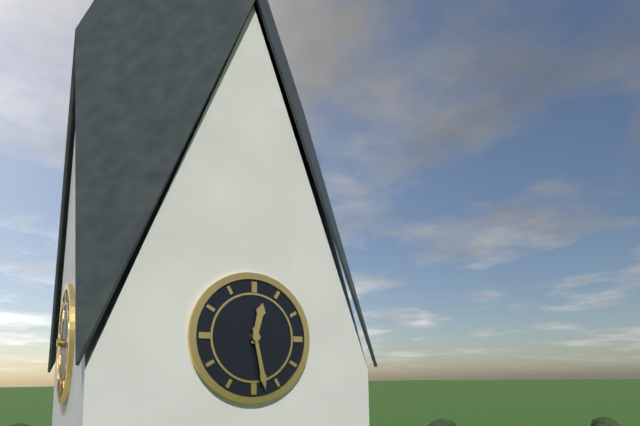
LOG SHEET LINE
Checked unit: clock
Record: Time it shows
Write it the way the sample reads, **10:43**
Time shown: **12:28**
